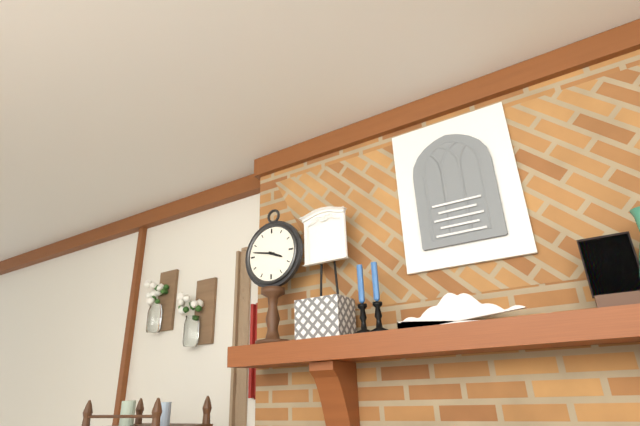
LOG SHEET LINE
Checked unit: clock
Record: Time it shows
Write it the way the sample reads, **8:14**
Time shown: **3:47**
